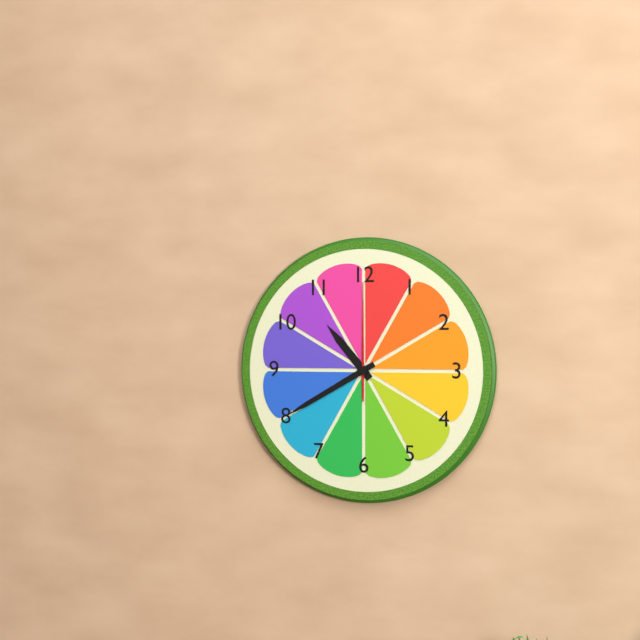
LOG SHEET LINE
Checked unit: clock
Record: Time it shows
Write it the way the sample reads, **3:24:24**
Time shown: **10:40:00**
